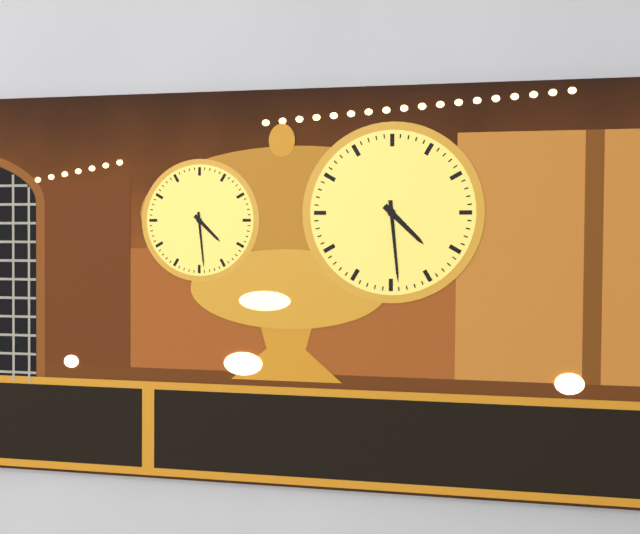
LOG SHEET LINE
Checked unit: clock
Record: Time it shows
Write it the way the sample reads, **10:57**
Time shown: **4:29**
